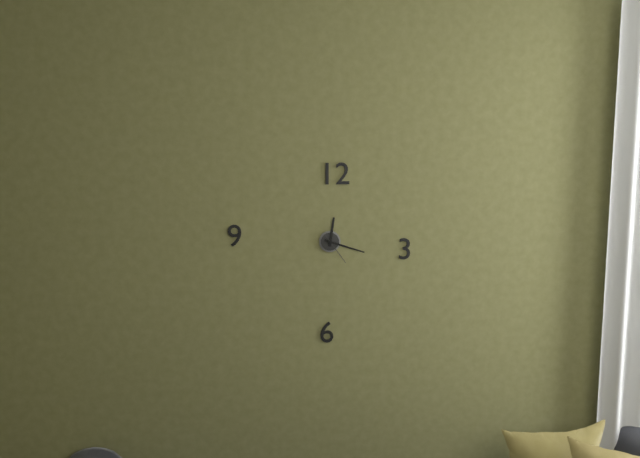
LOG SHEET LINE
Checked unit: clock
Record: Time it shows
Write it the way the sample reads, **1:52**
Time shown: **12:18**
